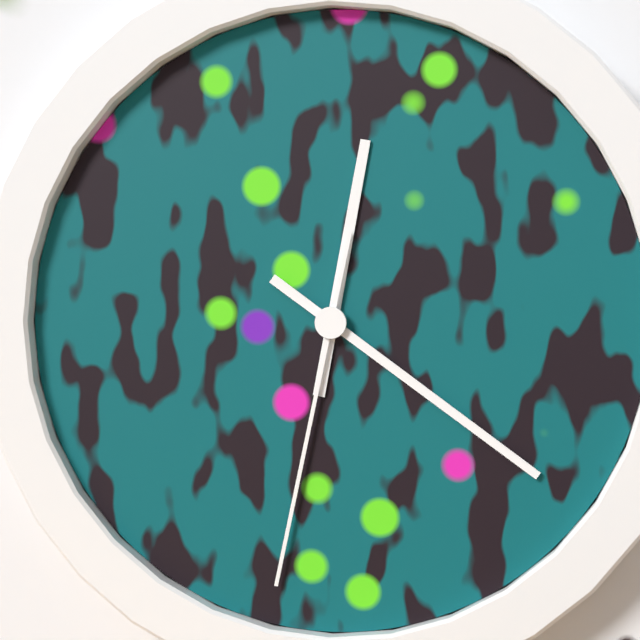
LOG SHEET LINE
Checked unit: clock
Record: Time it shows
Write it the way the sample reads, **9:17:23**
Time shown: **12:21:32**
